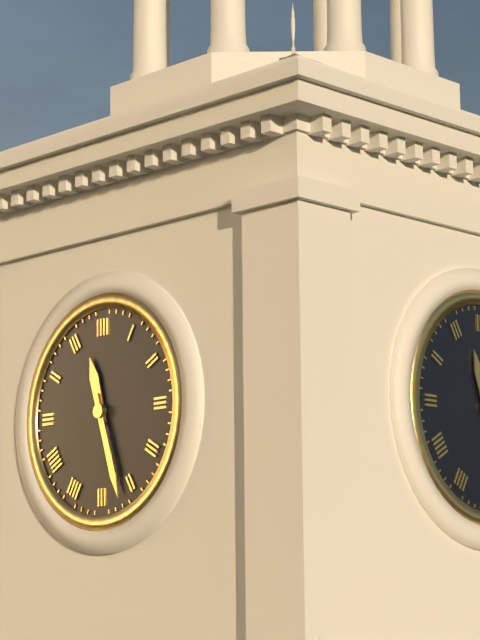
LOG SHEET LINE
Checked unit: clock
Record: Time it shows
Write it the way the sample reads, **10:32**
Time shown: **11:27**
